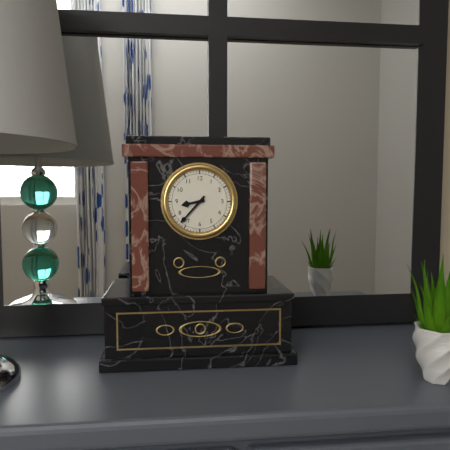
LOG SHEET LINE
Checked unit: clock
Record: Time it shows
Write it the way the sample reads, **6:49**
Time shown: **8:37**
